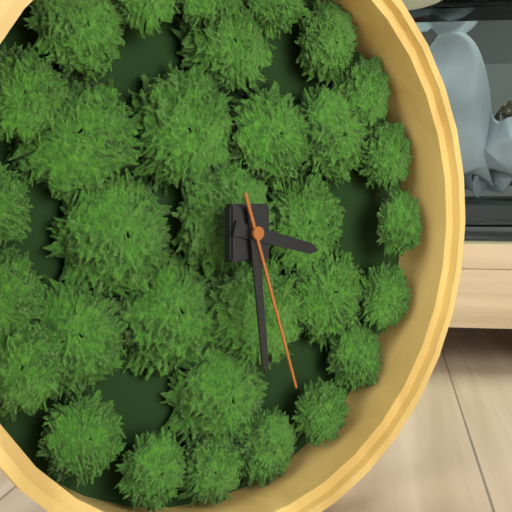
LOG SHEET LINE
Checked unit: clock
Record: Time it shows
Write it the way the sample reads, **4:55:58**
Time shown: **3:29:27**
